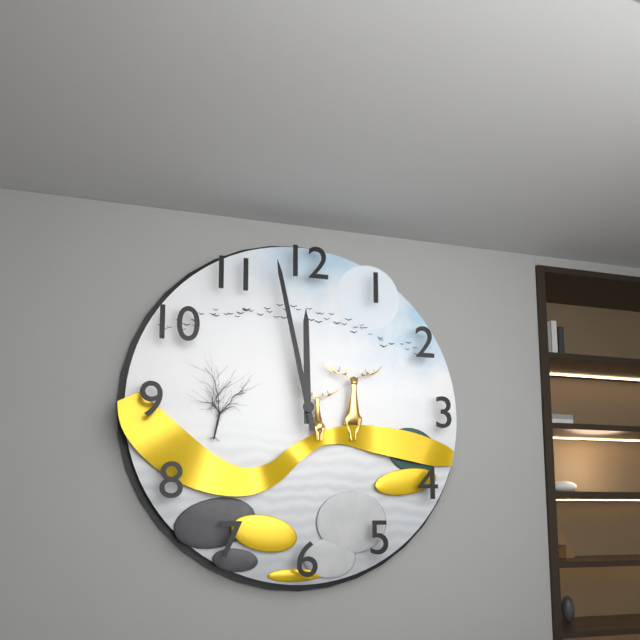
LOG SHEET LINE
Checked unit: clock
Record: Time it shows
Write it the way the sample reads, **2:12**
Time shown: **11:58**
